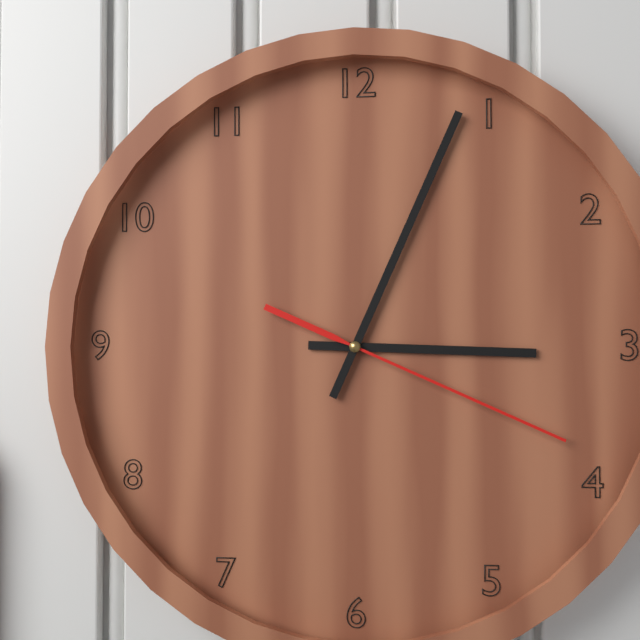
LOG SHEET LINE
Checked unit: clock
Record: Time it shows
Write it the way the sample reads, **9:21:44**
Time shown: **3:04:19**
